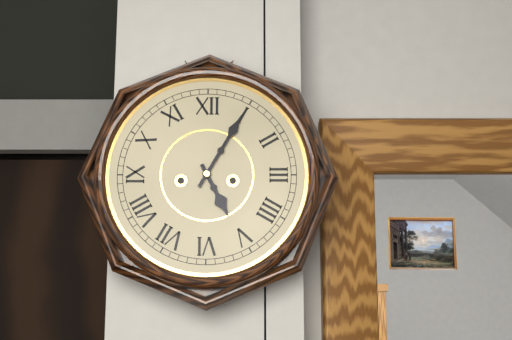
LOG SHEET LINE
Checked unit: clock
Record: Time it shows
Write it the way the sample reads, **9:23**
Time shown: **5:05**
